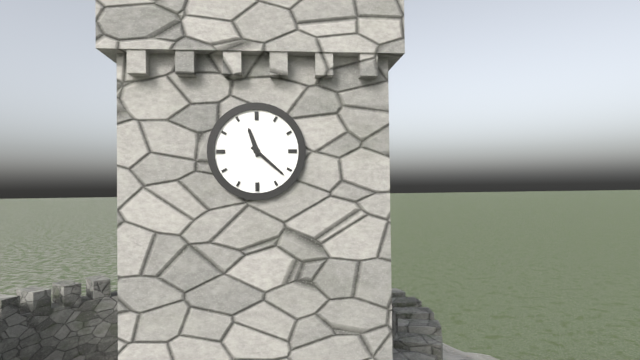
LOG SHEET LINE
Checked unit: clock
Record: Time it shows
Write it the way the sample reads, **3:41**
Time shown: **11:22**
